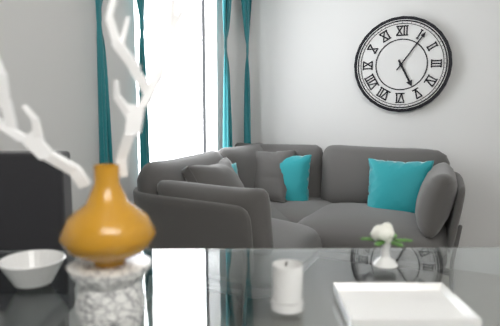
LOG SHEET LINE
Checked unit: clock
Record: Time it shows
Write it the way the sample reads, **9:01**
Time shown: **5:06**
